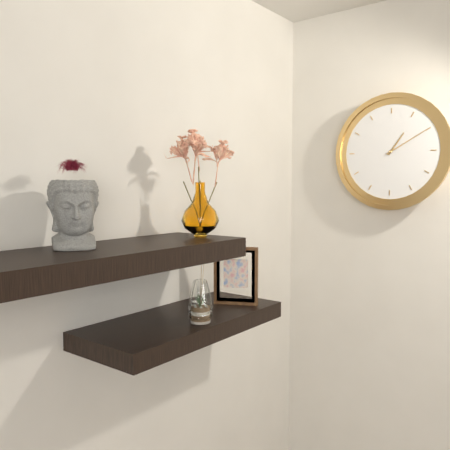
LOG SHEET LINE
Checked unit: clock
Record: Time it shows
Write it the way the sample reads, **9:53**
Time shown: **1:10**
